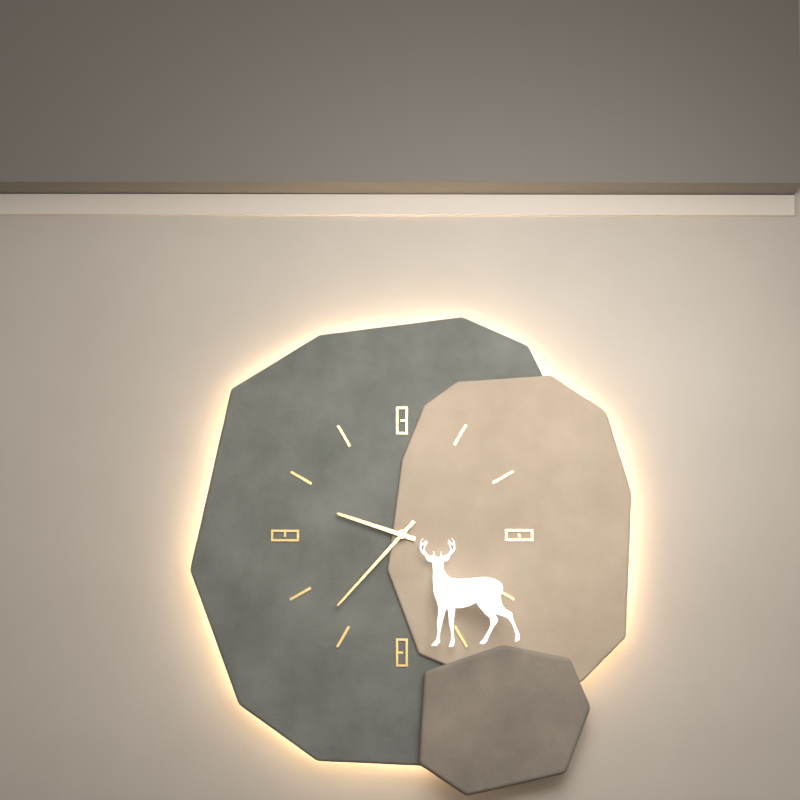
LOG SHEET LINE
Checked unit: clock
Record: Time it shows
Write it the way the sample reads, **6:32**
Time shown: **9:37**
